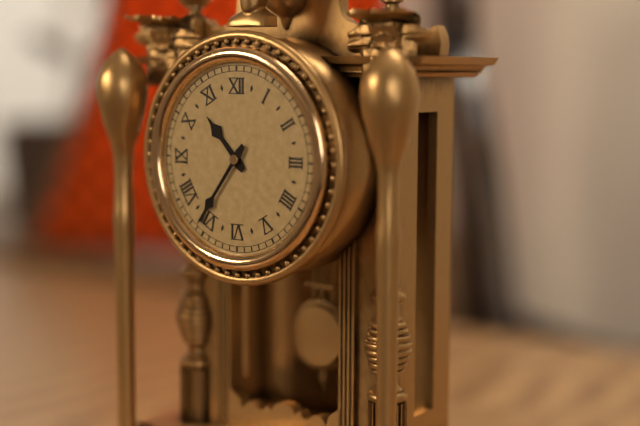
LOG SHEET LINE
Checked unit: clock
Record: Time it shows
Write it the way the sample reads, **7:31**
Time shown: **10:36**
